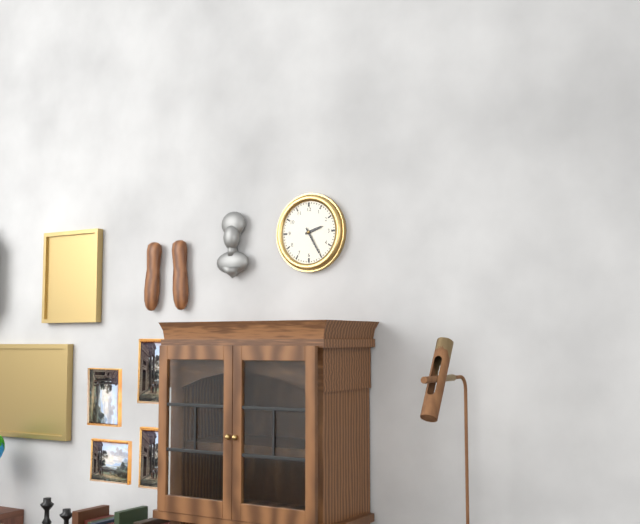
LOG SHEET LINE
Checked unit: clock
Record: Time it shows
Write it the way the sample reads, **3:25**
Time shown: **2:25**
